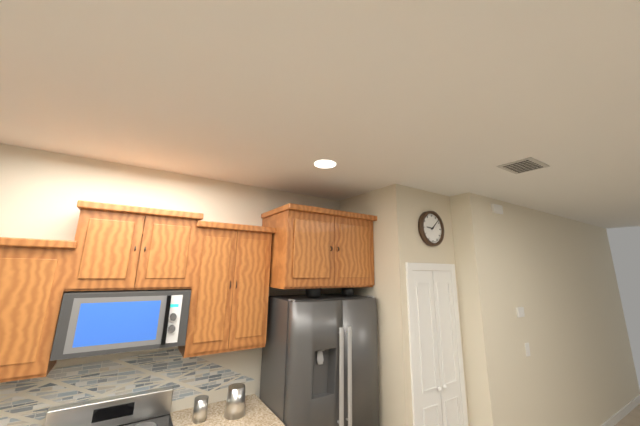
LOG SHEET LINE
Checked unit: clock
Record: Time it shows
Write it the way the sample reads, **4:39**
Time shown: **9:08**
